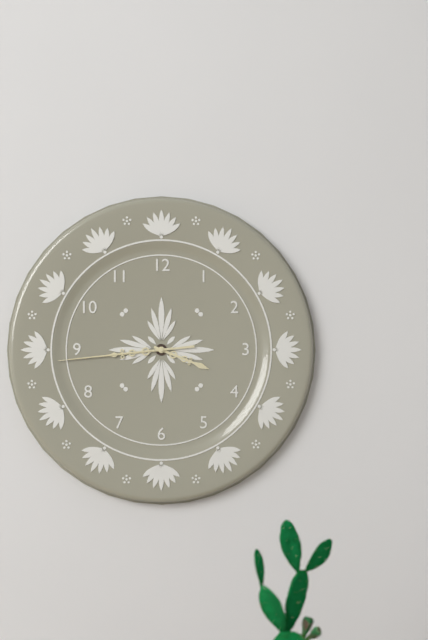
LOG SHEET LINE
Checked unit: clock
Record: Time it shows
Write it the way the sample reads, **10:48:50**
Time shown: **3:44:44**
